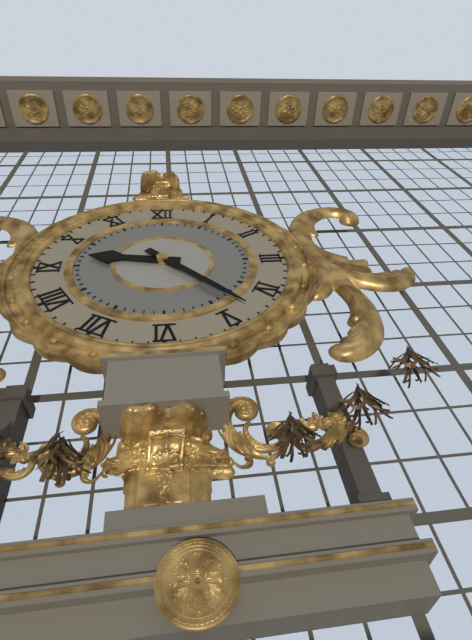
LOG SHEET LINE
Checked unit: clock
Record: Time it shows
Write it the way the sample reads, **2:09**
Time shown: **9:23**
